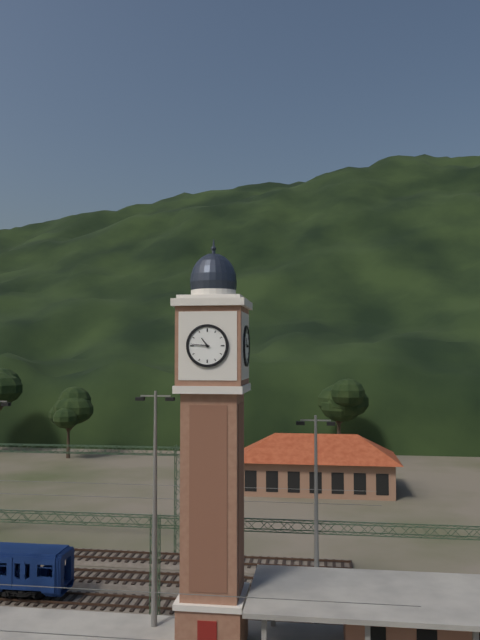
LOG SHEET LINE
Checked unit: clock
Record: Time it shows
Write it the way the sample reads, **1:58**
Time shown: **10:46**
